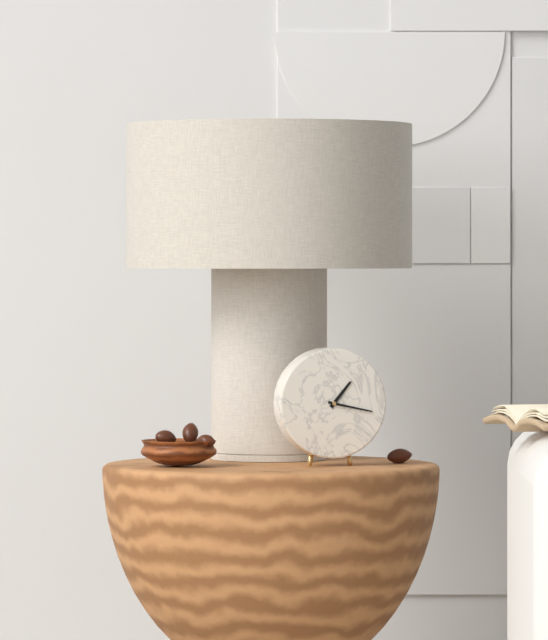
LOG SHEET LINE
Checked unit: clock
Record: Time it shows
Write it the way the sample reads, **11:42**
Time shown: **1:17**
